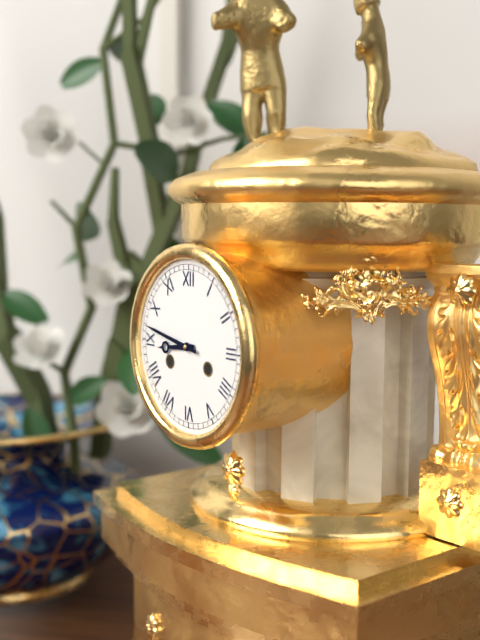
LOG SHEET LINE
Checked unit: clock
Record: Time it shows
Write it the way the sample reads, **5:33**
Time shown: **8:47**
